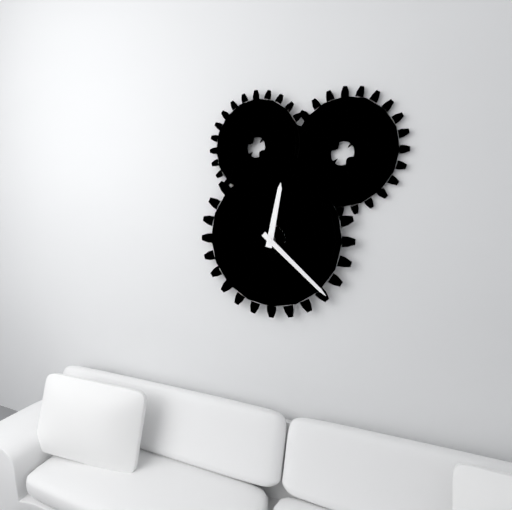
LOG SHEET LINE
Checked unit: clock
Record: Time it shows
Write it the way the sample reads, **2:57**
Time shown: **12:22**
